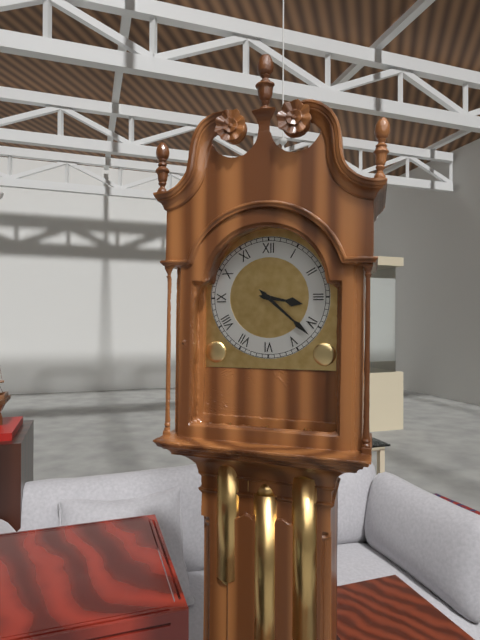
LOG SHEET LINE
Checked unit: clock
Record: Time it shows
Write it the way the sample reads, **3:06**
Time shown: **3:22**
